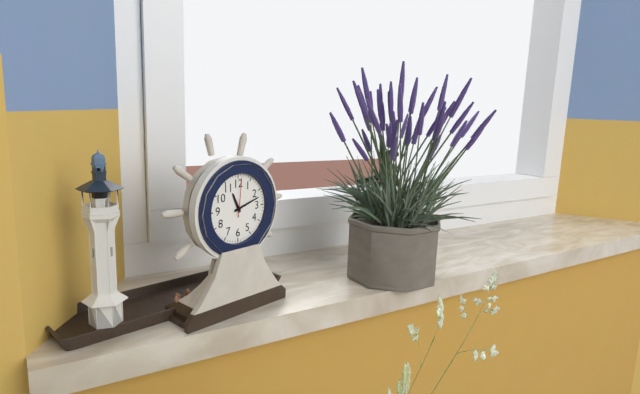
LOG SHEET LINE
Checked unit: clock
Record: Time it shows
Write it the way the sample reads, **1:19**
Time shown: **11:12**
